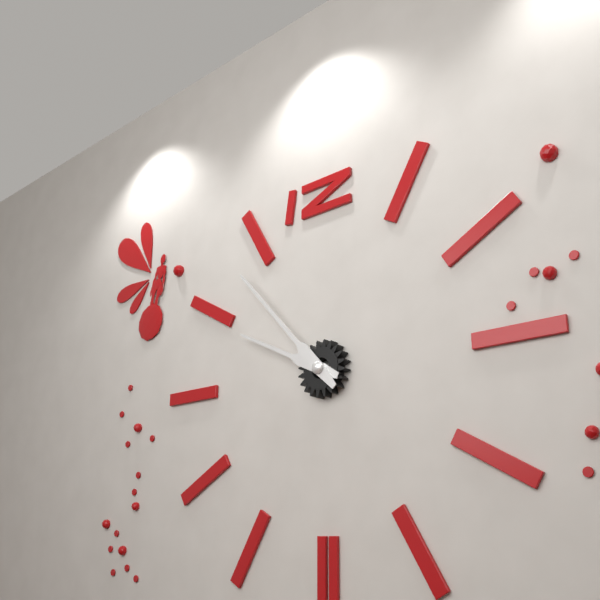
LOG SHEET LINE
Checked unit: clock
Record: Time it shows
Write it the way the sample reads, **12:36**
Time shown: **9:53**
